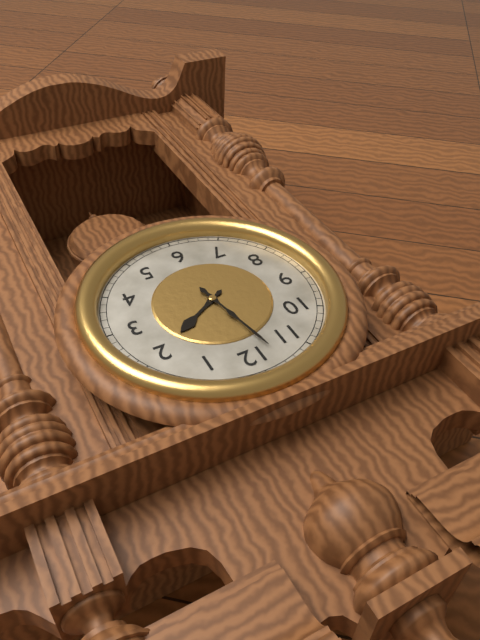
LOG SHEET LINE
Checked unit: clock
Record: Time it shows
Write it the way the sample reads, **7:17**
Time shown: **1:58**
